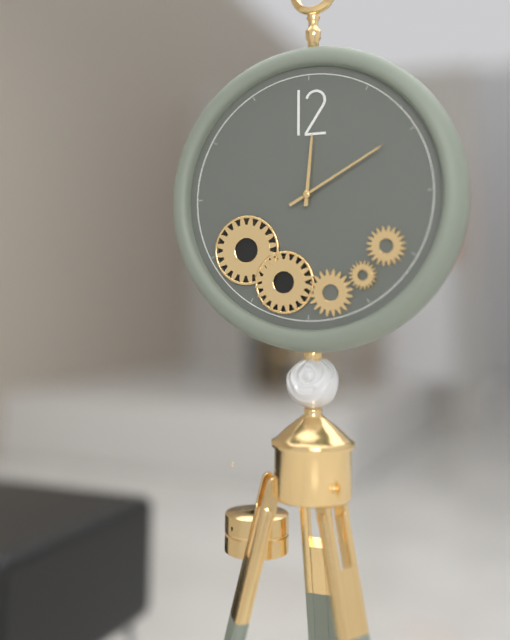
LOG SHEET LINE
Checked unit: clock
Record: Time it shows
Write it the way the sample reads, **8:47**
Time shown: **12:10**
